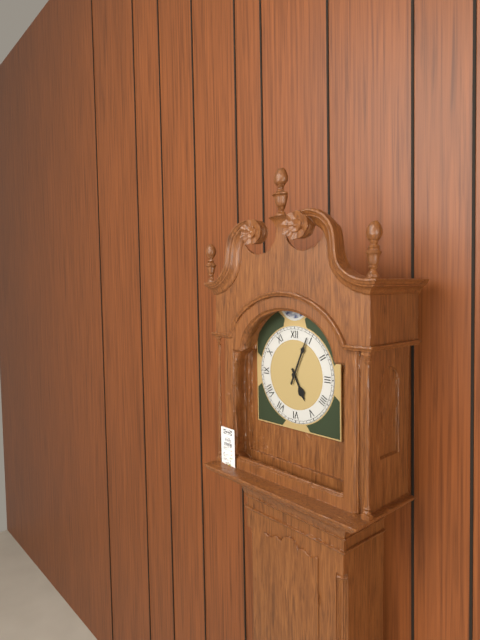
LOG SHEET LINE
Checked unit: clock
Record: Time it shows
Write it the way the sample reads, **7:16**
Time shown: **5:04**
